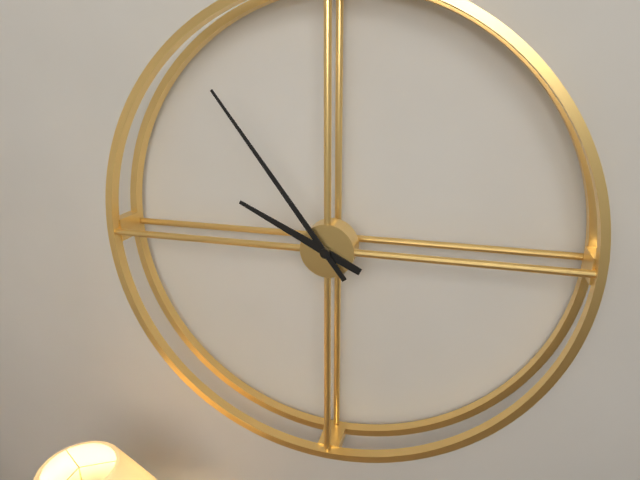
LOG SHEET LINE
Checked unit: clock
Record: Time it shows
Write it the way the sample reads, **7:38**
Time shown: **9:54**
